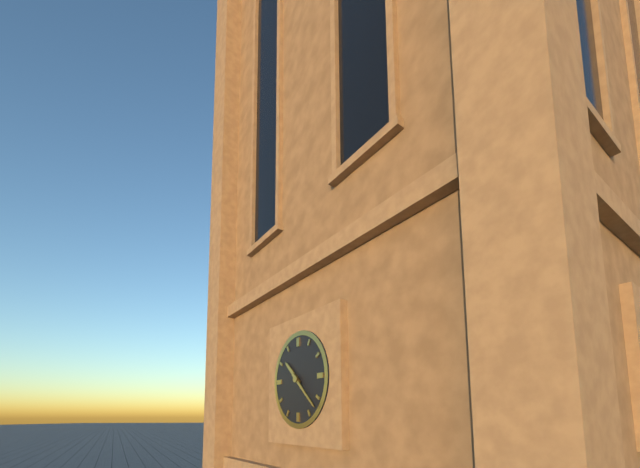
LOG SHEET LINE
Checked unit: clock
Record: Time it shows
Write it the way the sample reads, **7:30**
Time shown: **10:22**
